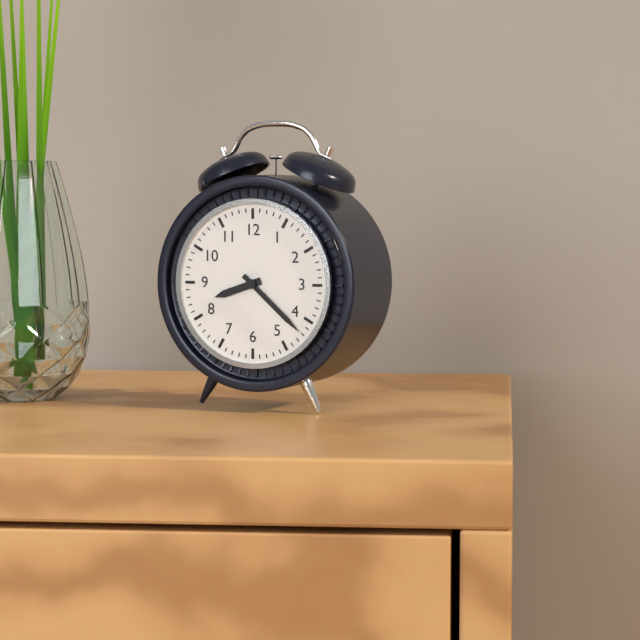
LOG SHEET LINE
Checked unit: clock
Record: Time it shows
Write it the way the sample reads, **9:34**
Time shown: **8:22**
